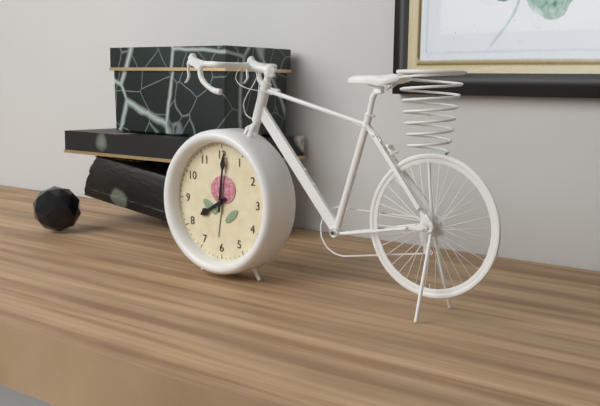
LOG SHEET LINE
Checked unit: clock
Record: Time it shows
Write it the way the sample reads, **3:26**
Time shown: **8:01**
